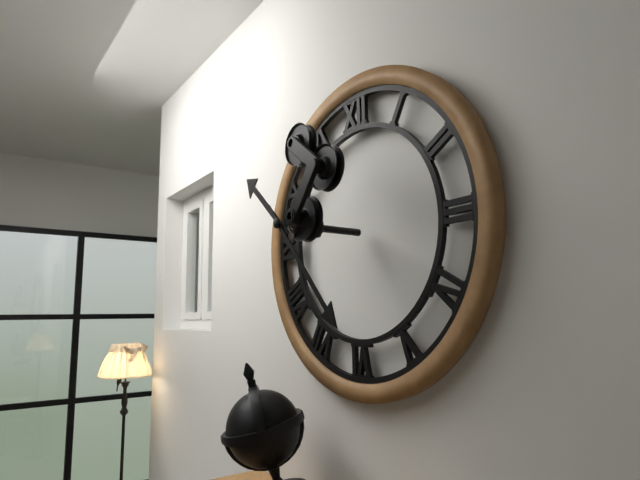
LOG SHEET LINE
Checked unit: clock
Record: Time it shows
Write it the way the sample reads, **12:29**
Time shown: **10:23**
